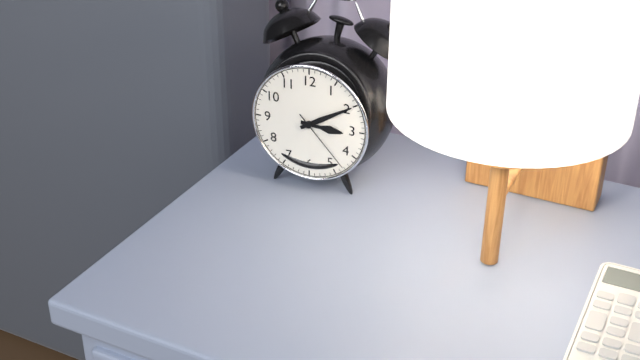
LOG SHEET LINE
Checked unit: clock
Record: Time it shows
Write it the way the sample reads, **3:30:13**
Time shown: **3:10:23**
